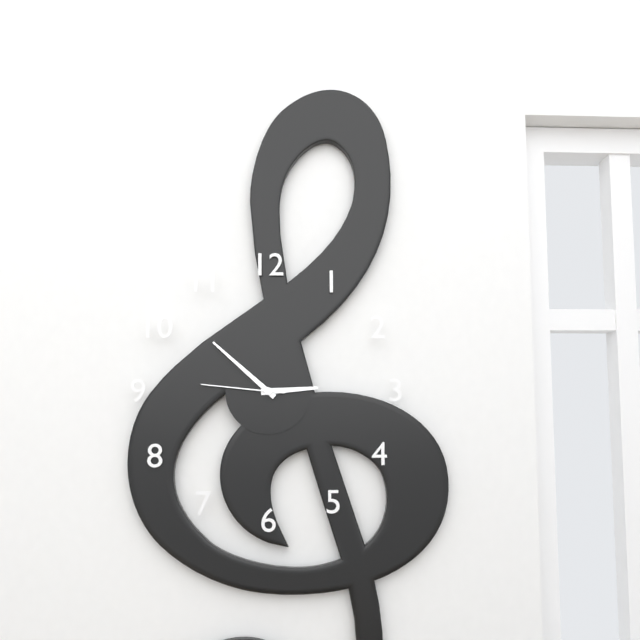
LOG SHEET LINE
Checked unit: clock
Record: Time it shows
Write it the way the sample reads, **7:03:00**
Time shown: **2:52:46**
